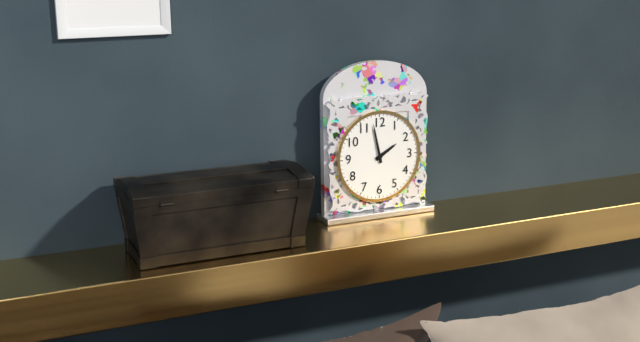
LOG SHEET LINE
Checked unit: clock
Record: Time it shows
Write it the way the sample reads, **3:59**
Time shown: **1:58**
